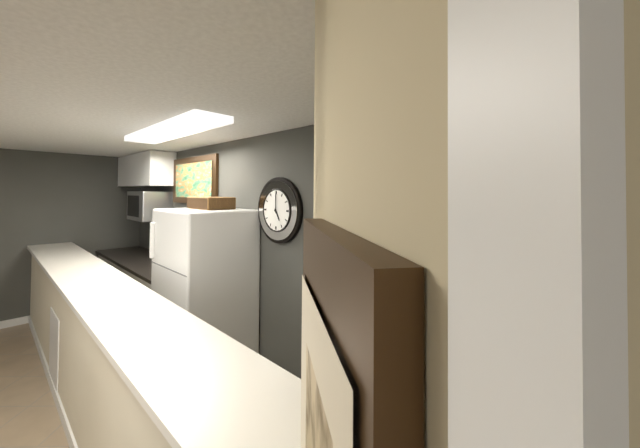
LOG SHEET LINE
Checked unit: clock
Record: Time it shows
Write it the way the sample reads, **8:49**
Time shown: **5:00**
